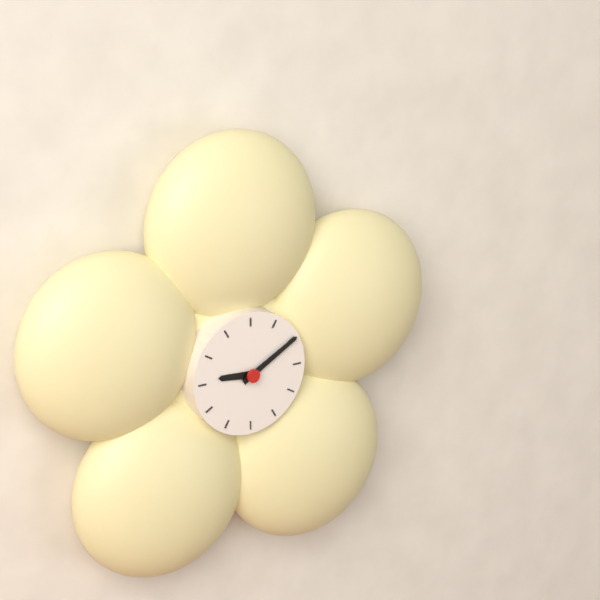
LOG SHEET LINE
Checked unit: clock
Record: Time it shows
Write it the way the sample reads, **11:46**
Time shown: **9:10**
